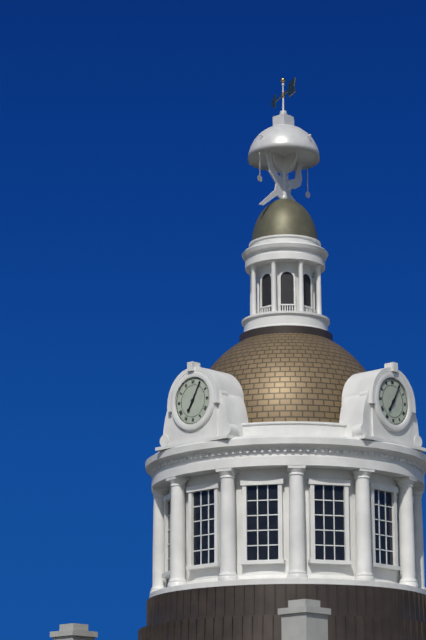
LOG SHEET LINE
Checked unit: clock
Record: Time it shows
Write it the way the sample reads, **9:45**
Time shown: **7:05**
